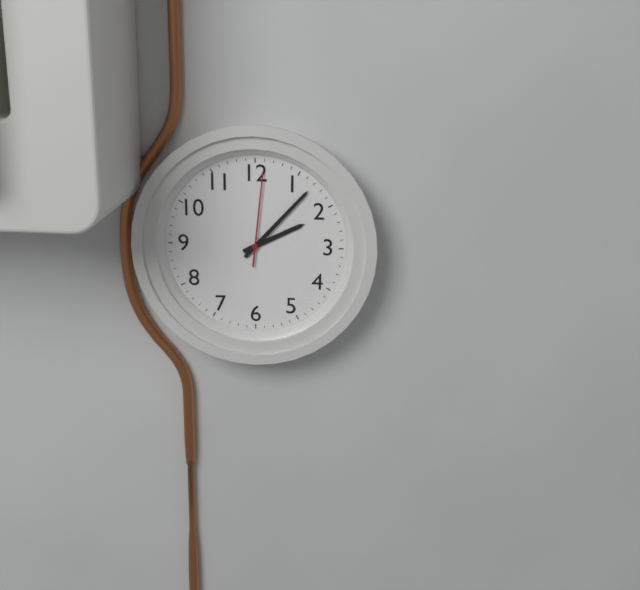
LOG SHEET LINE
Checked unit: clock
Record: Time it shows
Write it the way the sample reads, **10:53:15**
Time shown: **2:07:01**
